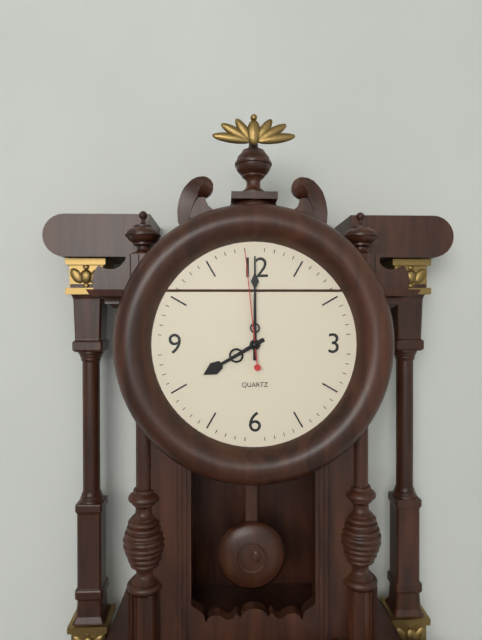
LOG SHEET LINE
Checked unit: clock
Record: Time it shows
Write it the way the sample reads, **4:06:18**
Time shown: **8:00:59**
